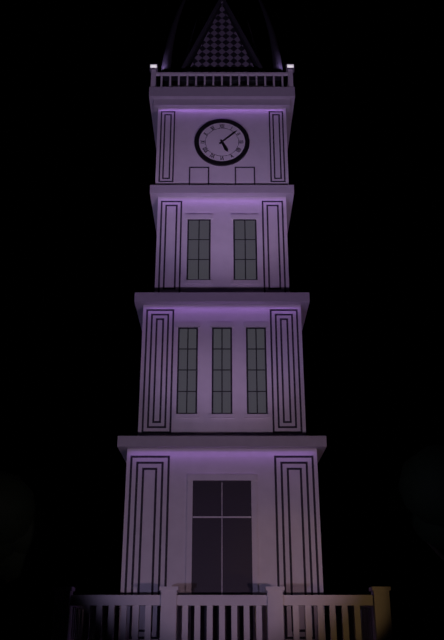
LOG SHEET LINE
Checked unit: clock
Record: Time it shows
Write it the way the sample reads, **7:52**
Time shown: **5:08**
